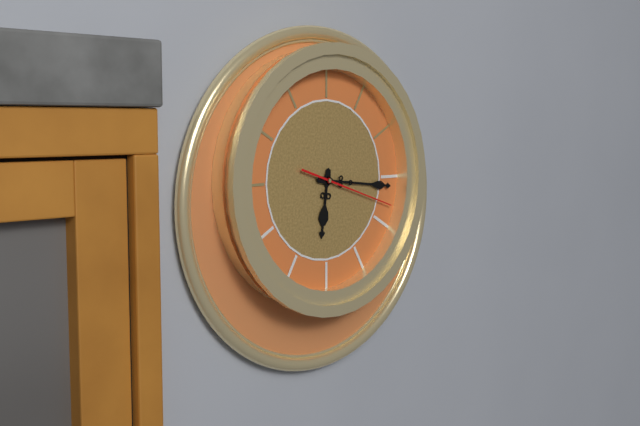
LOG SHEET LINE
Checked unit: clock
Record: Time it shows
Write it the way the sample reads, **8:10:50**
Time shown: **6:16:18**
